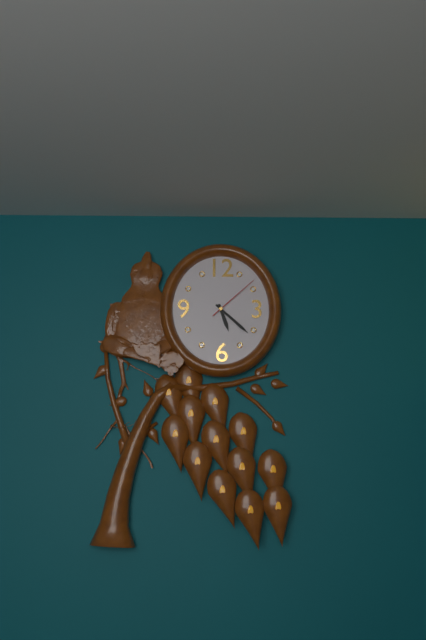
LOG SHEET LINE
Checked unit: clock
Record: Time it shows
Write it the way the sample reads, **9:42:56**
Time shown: **5:22:08**
